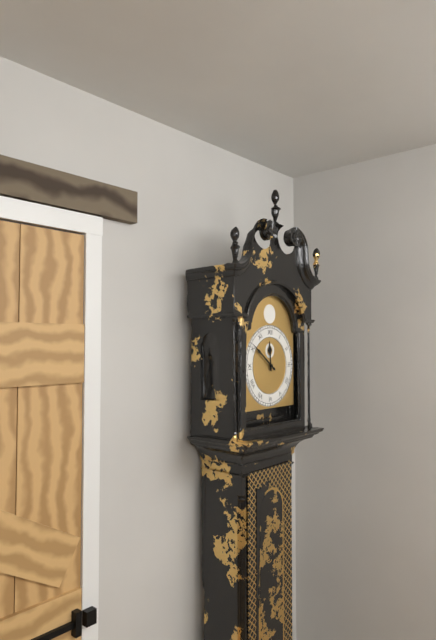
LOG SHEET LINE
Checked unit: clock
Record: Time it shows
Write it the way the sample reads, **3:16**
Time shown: **11:51**
